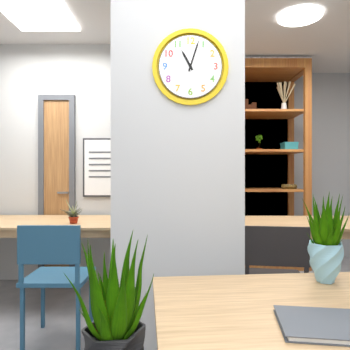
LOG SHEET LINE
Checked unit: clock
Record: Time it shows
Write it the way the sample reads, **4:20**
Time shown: **11:03**
